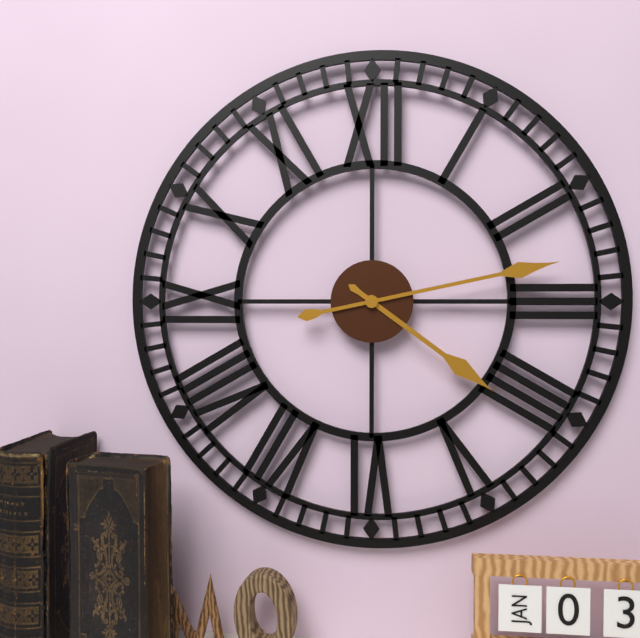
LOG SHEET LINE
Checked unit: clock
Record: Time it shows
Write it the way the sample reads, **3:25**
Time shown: **4:13**
